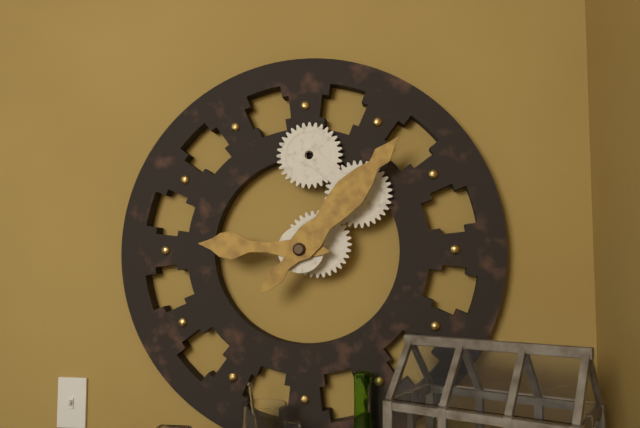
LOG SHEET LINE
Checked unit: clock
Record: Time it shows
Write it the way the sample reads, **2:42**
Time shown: **9:07**
